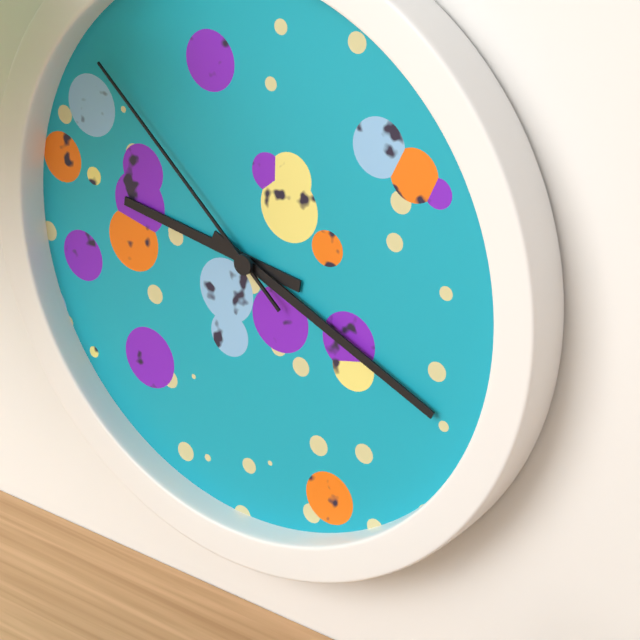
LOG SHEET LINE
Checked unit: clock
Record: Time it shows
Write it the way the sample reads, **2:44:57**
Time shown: **9:19:52**
